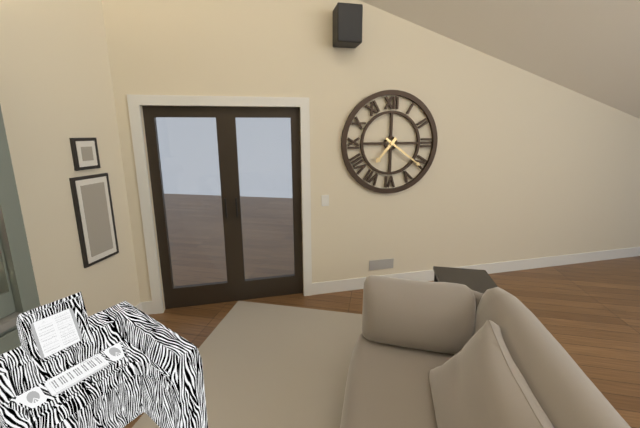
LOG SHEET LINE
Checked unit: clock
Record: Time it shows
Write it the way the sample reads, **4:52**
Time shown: **7:21**
